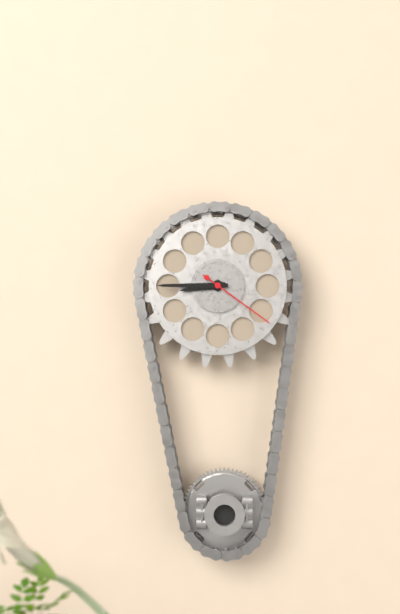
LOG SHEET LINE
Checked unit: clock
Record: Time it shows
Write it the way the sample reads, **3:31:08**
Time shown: **8:45:21**
